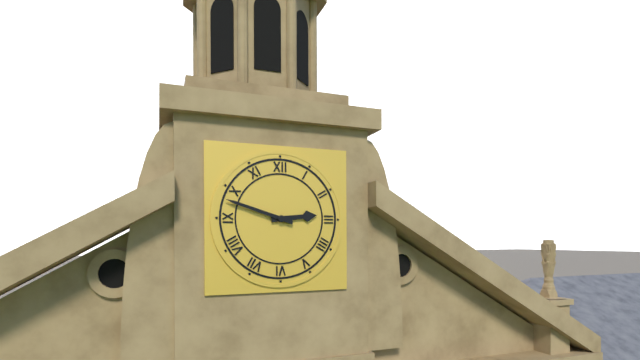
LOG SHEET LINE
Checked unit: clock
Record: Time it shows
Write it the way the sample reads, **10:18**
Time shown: **2:48**
